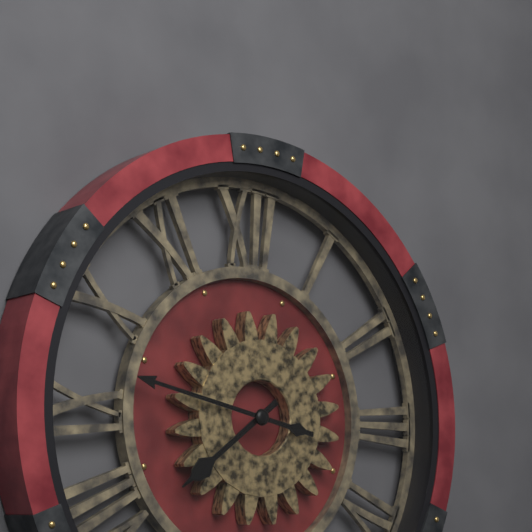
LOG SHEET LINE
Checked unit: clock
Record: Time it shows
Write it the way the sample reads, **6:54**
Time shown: **7:47**
